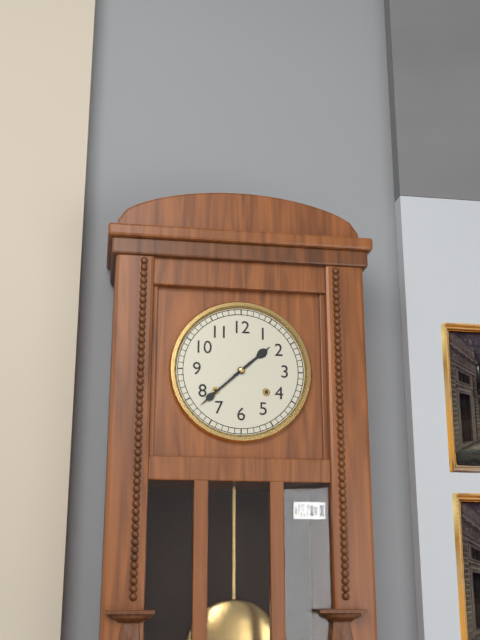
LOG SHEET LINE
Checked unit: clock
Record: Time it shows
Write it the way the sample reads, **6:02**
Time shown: **1:38**
